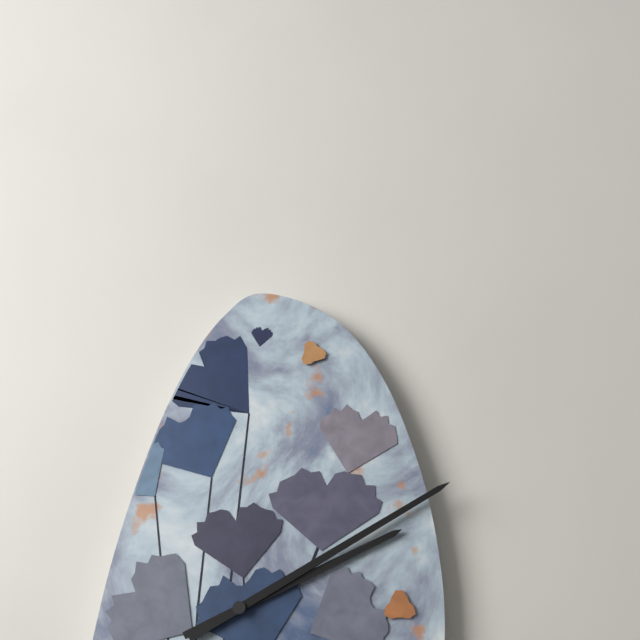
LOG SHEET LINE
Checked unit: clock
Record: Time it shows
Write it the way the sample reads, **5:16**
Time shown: **2:10**
